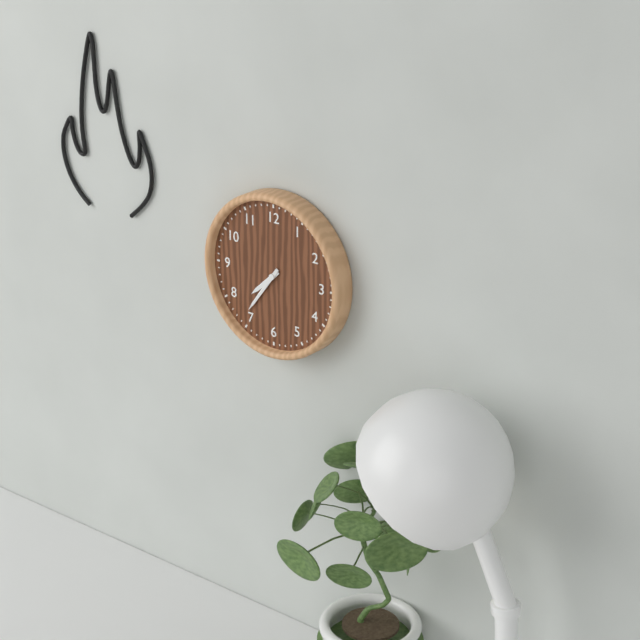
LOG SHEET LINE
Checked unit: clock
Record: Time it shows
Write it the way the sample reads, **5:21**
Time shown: **7:36**
